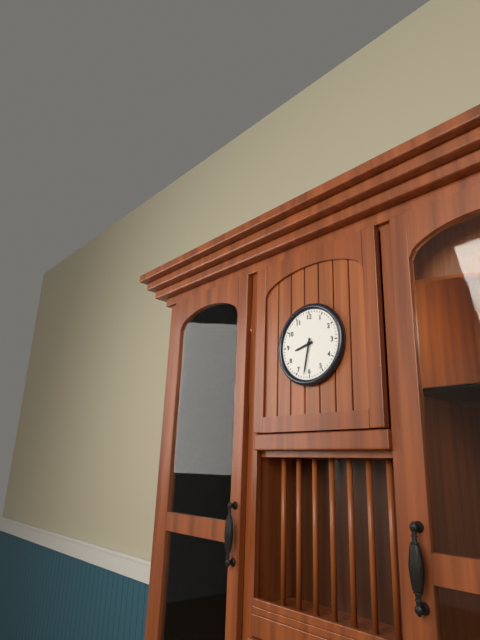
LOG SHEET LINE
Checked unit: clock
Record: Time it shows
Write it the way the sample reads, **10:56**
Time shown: **8:32**
